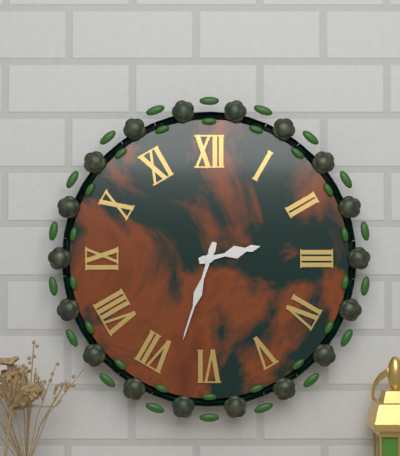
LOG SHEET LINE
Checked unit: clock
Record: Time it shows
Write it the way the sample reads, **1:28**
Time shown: **2:33**
